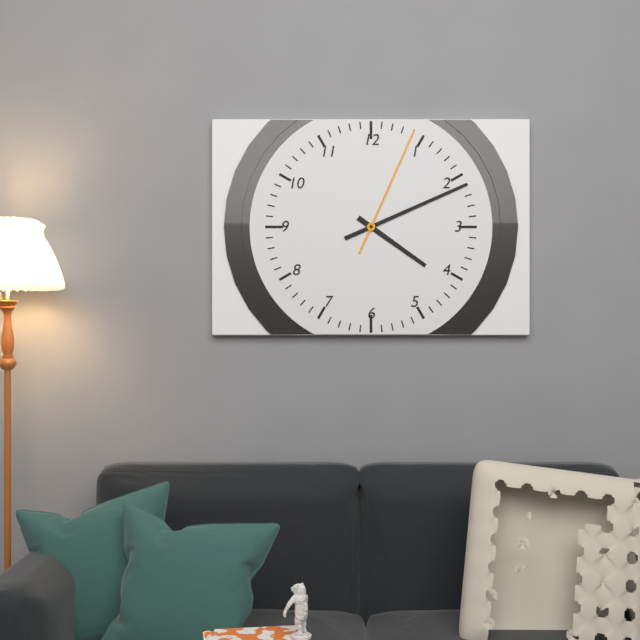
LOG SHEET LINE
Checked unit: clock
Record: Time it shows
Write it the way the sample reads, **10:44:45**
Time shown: **4:11:04**
